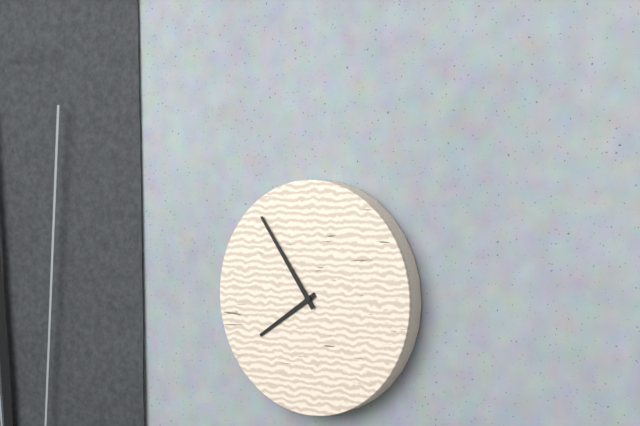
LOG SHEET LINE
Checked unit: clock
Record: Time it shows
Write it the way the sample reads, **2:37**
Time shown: **7:54**
